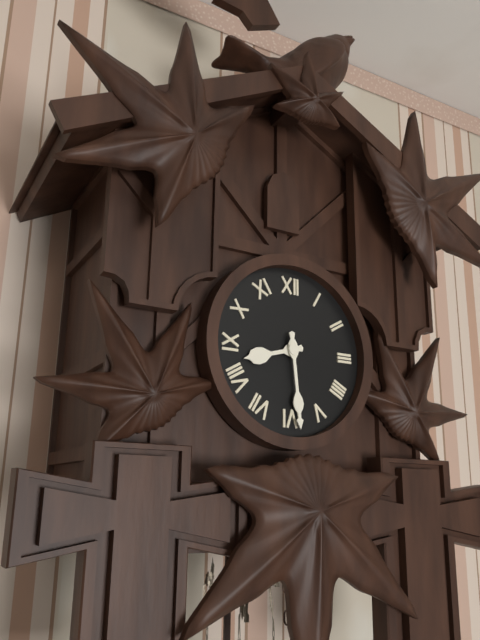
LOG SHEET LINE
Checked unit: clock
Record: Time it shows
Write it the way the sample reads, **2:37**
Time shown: **8:29**
